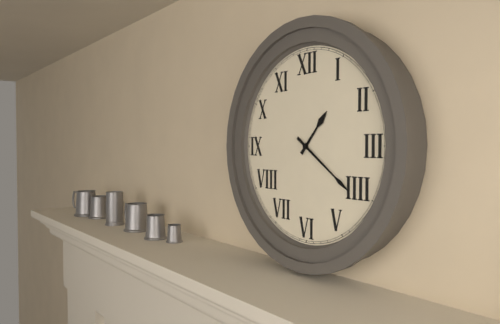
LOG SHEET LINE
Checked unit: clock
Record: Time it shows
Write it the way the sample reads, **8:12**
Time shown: **1:21**
